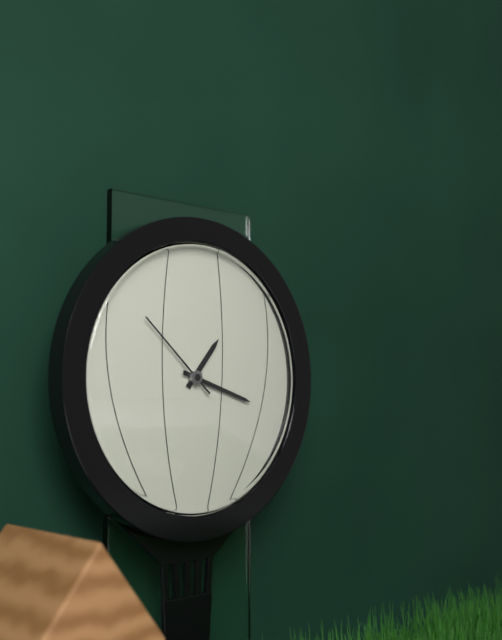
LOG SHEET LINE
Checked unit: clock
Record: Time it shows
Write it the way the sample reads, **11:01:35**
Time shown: **1:18:52**
